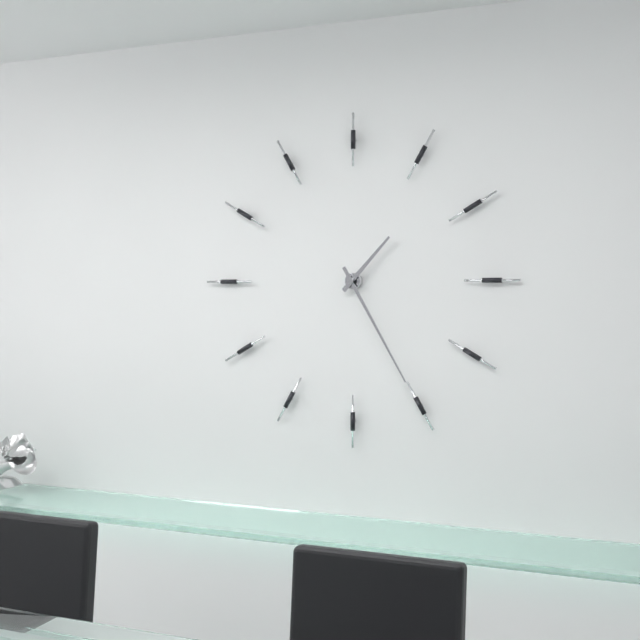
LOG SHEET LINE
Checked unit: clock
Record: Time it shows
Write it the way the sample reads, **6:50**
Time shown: **1:25**
